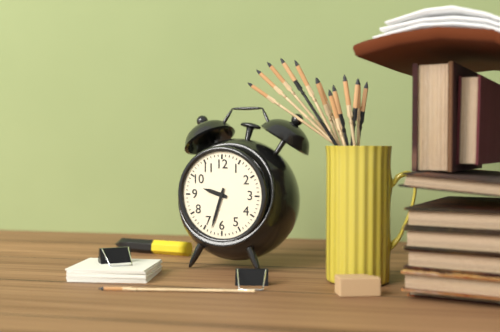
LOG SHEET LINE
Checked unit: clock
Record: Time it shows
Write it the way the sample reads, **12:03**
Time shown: **9:33**
